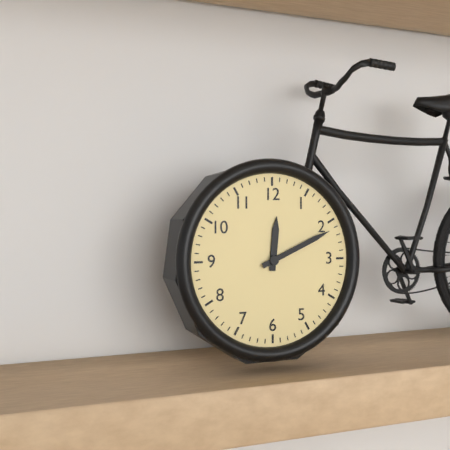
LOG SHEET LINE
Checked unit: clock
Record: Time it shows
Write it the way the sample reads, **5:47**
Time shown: **12:11**
